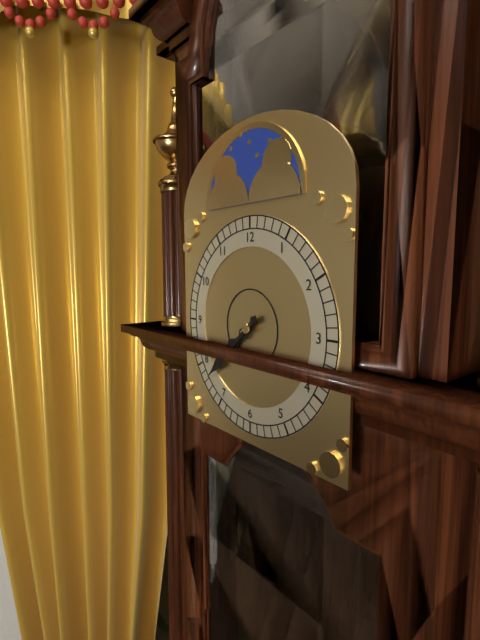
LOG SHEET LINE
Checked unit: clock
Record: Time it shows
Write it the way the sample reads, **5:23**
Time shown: **7:38**
